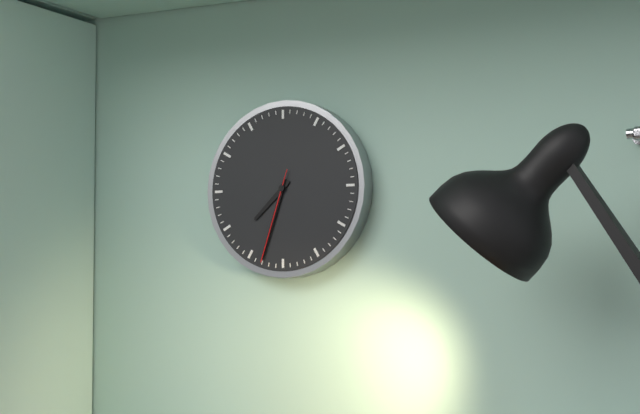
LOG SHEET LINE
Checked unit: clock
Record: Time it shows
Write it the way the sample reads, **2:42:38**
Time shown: **7:33:33**
